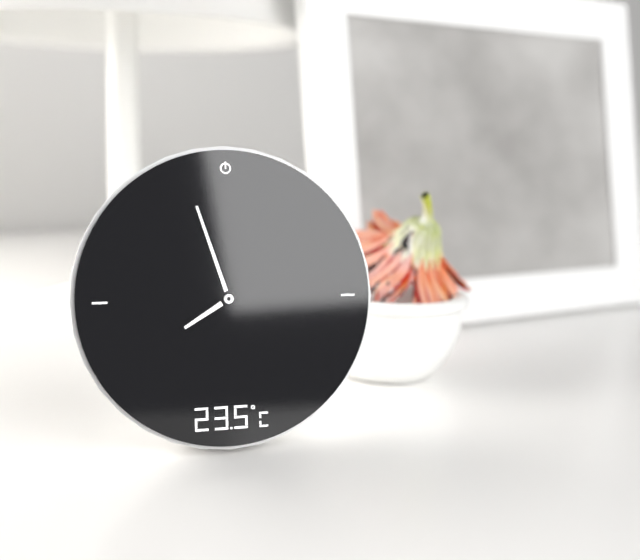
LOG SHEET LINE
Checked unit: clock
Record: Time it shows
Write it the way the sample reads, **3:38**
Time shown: **7:57**
